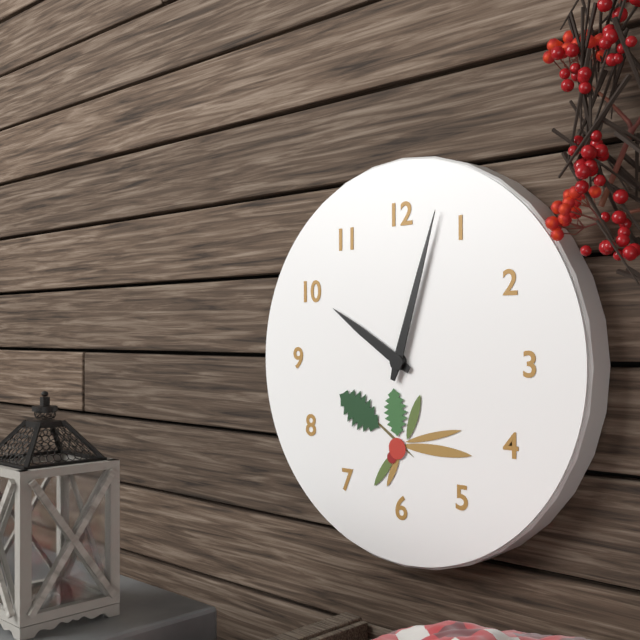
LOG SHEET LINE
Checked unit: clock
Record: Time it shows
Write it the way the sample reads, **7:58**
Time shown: **10:03**
